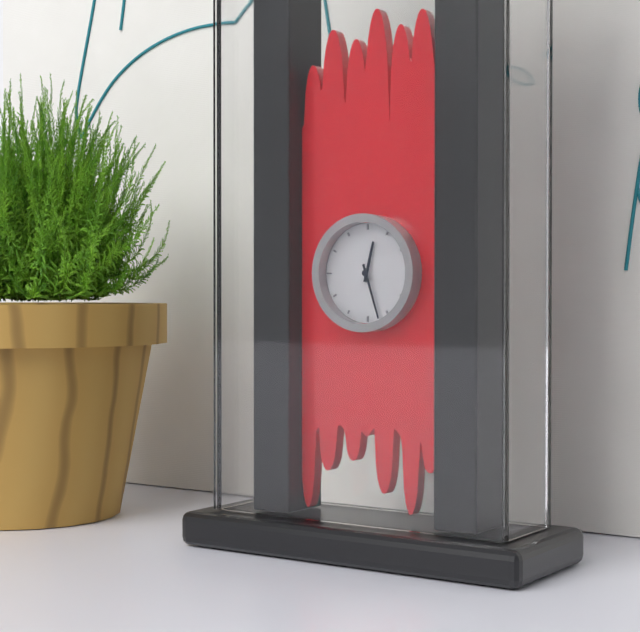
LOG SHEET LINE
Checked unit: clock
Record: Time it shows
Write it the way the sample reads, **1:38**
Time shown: **12:27**
